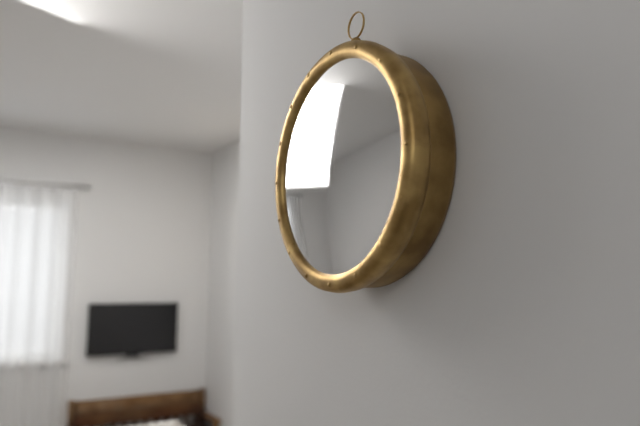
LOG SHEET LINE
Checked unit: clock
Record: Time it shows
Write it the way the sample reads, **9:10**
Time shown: **3:08**
